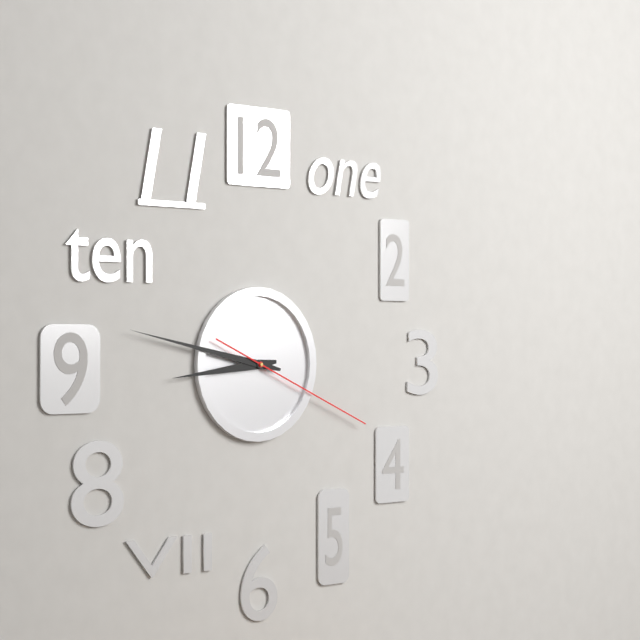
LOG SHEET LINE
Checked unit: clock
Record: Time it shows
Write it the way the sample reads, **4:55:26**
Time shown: **8:47:19**
